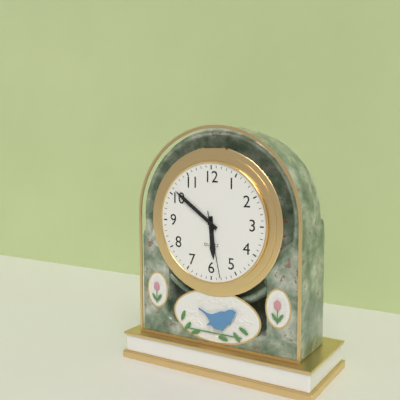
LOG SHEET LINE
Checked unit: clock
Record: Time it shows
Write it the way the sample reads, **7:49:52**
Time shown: **5:51:28**
